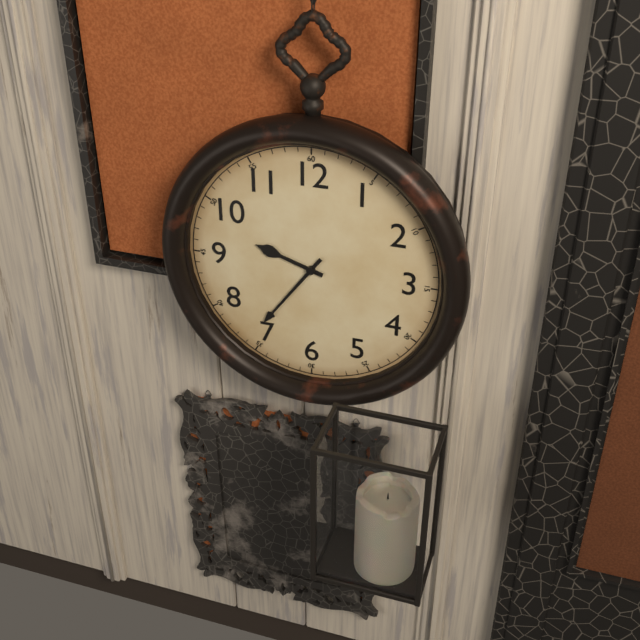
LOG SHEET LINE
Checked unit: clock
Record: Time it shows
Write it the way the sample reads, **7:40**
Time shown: **9:36**
